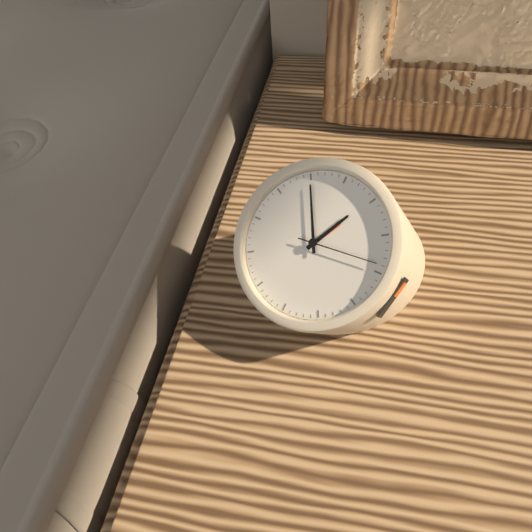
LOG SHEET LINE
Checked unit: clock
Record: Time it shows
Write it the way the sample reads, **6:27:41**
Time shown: **12:55:14**
